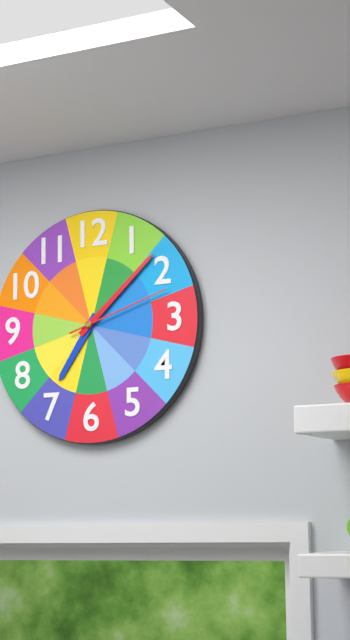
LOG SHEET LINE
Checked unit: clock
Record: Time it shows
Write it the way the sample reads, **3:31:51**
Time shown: **7:08:12**
